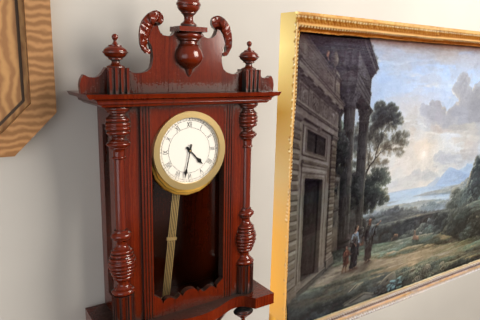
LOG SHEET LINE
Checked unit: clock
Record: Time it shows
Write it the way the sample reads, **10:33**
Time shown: **4:32**
